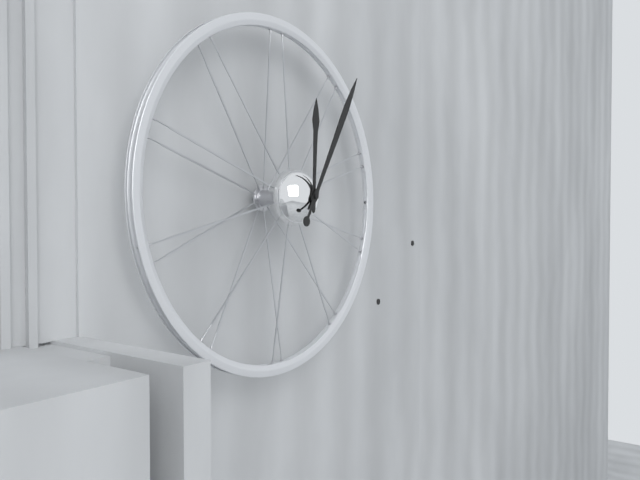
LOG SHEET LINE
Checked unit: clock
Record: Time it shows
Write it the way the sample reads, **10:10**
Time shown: **12:05**
